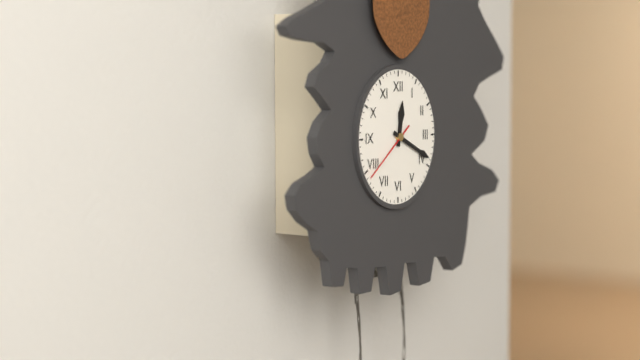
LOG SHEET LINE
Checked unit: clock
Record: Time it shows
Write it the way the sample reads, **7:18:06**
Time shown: **12:19:39**
